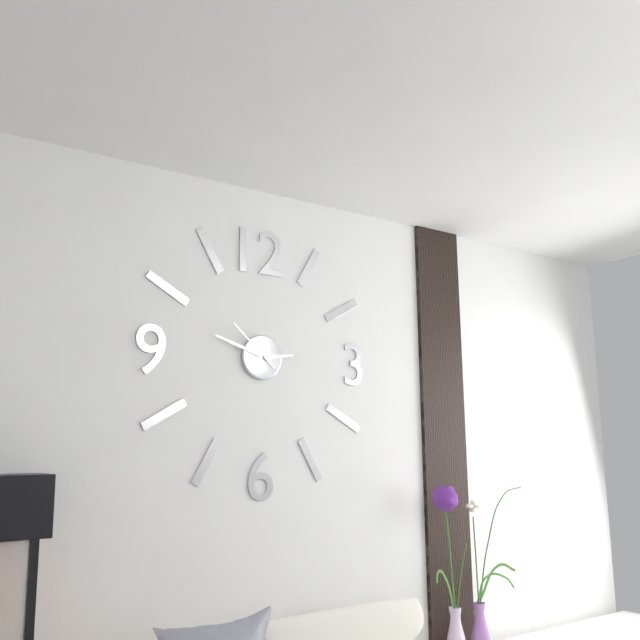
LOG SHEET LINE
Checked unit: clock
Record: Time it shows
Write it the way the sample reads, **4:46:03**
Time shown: **2:48:52**
